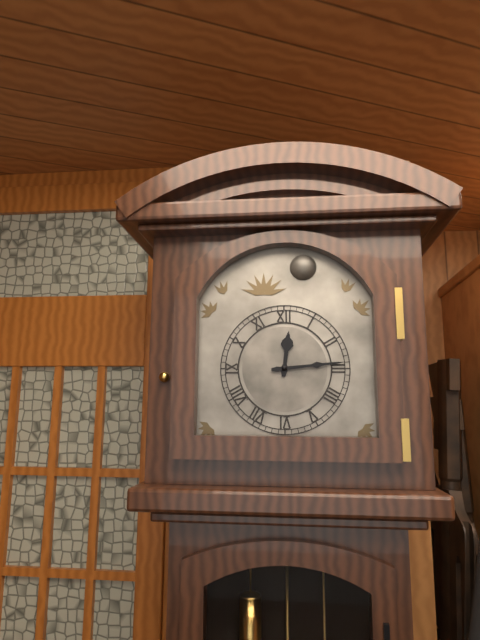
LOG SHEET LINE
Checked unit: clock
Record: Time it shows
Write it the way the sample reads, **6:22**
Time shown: **12:14**
